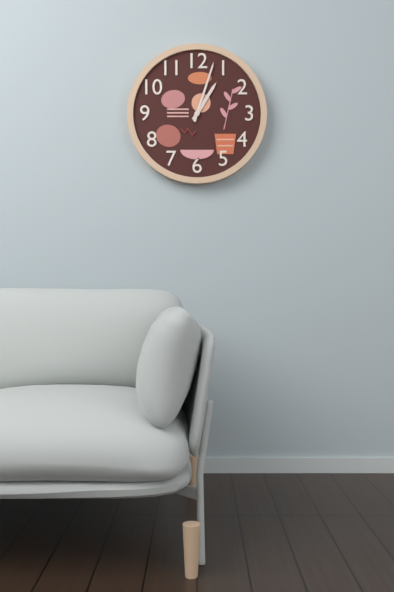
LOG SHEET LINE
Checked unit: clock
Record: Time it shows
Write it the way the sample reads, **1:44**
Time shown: **1:03**
